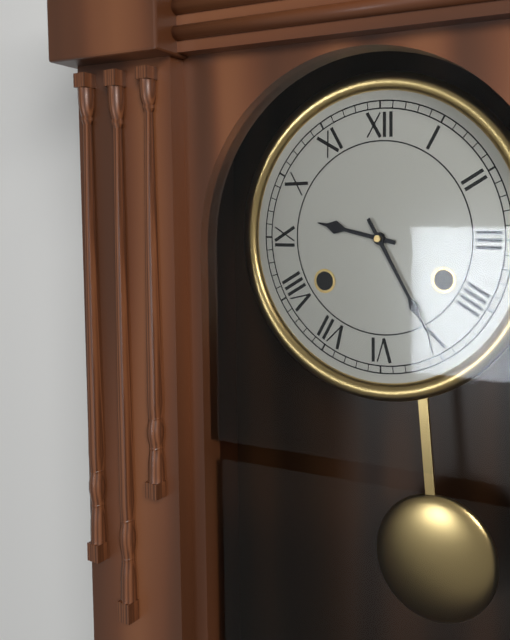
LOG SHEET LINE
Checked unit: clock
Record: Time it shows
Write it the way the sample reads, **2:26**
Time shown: **9:25**
